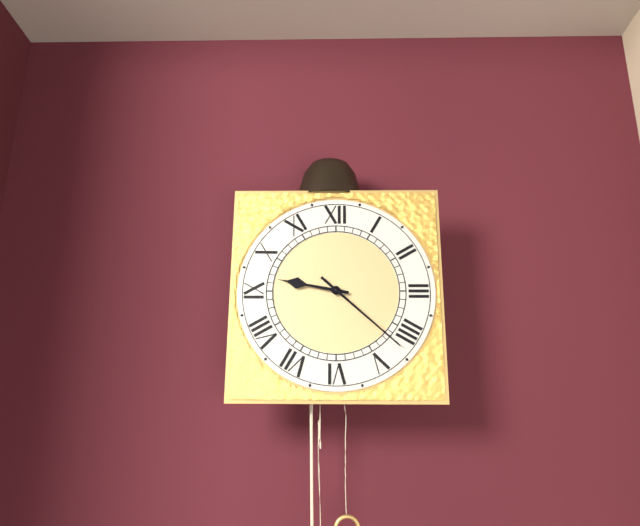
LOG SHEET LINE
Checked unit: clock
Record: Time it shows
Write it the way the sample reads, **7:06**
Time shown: **9:22**
